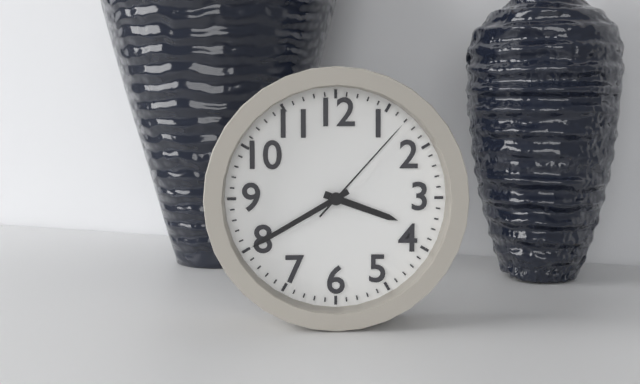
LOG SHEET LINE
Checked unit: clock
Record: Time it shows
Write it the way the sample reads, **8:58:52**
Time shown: **3:40:07**
